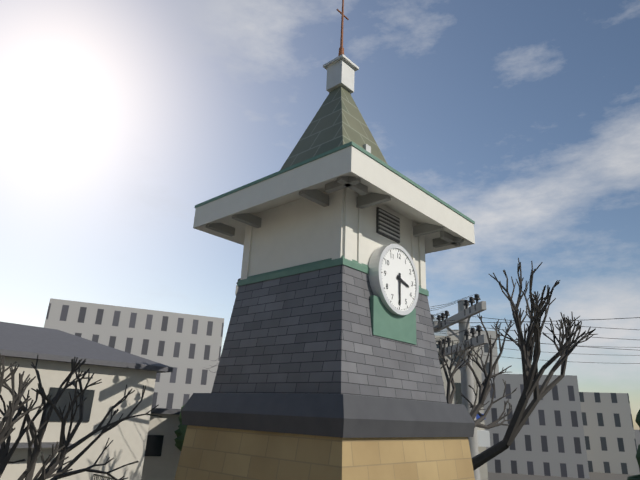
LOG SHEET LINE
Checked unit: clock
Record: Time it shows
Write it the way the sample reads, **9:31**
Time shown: **3:30**
